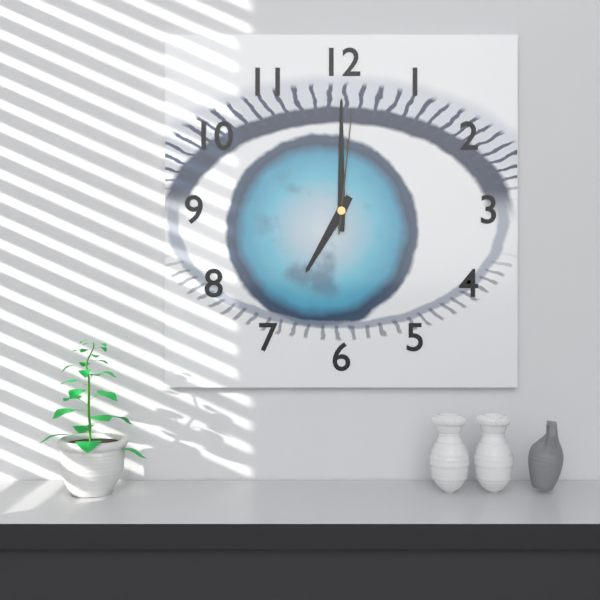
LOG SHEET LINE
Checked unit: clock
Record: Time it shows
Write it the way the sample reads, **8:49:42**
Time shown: **7:00:01**
